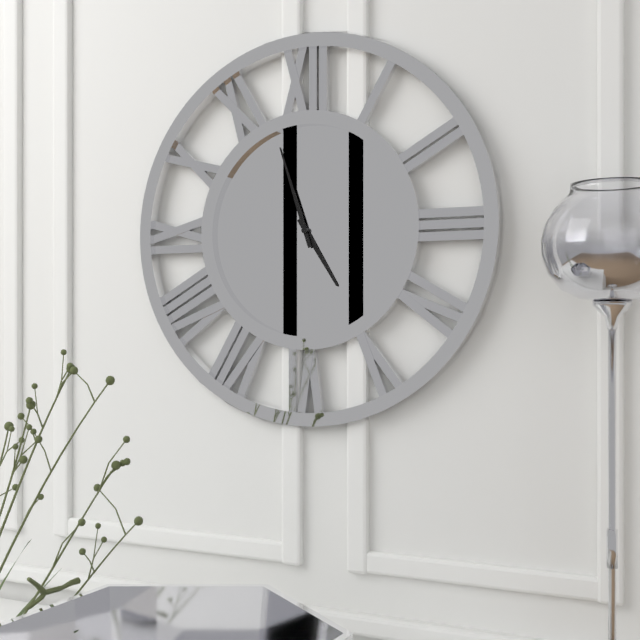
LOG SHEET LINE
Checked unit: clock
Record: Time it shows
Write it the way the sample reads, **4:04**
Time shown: **4:57**
